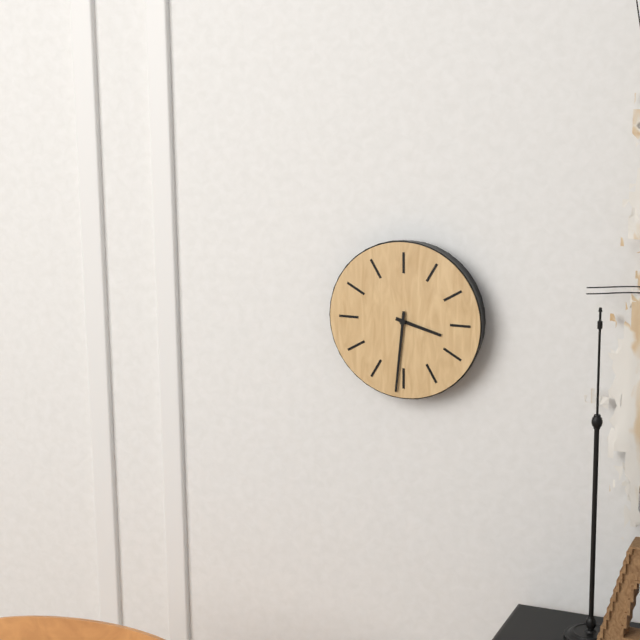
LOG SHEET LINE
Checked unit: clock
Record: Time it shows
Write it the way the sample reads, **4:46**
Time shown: **3:31**
